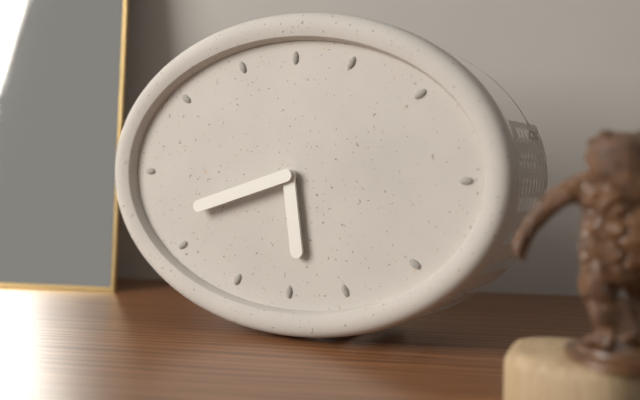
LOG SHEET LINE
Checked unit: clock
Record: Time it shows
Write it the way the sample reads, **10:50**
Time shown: **5:42**
